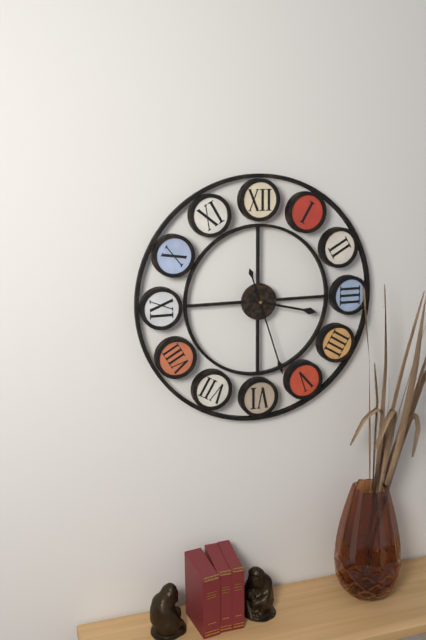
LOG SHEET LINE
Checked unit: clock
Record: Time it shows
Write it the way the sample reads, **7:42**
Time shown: **3:27**
